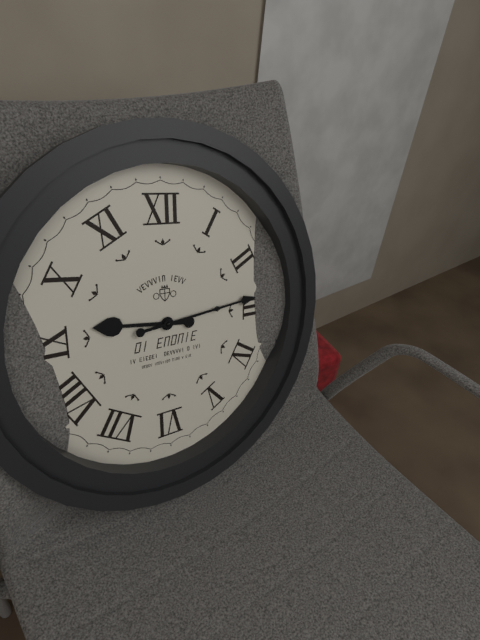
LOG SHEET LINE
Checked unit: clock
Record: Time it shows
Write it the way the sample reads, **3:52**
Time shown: **9:14**
